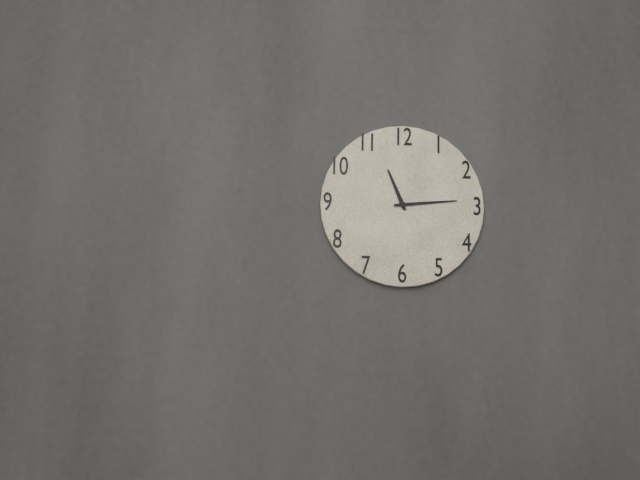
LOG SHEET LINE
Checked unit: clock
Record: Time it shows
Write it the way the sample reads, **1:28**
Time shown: **11:14**
